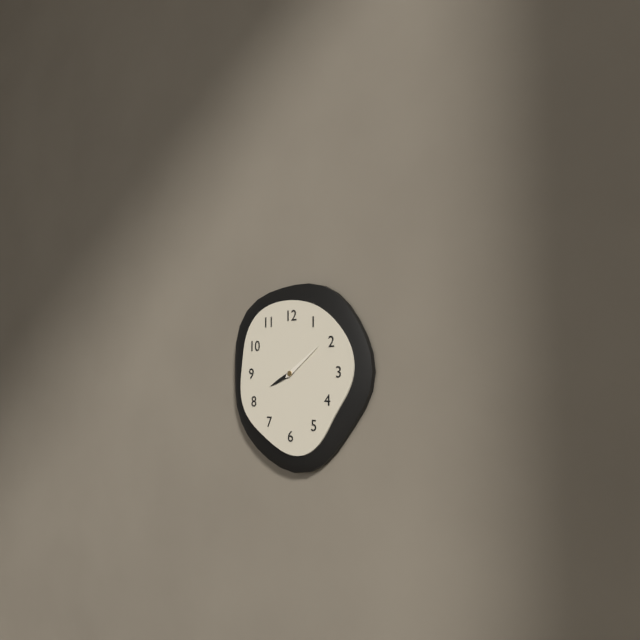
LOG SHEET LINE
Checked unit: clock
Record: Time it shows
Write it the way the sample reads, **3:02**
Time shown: **8:09**
